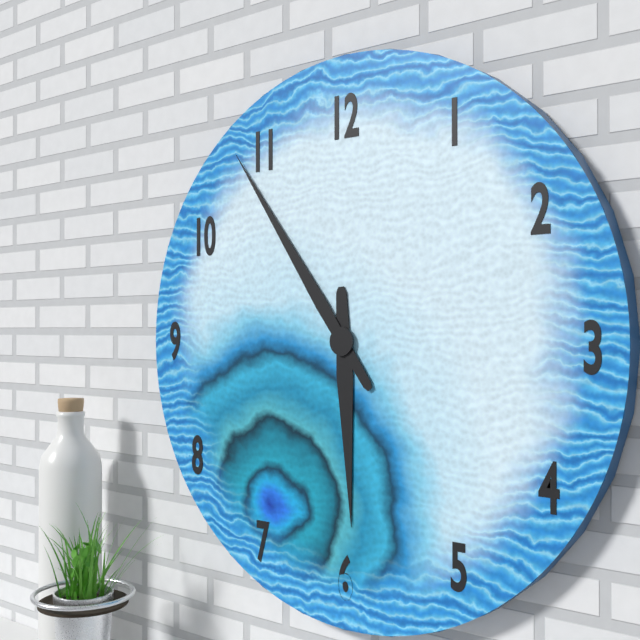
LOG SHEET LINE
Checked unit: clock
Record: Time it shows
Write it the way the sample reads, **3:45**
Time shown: **5:54**
